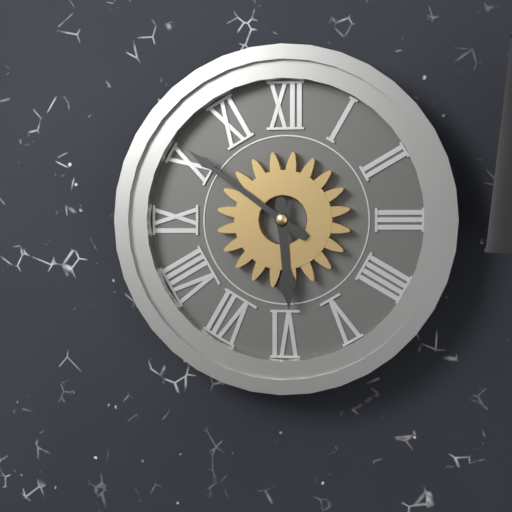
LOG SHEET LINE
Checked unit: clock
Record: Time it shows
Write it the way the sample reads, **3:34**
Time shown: **5:51**
